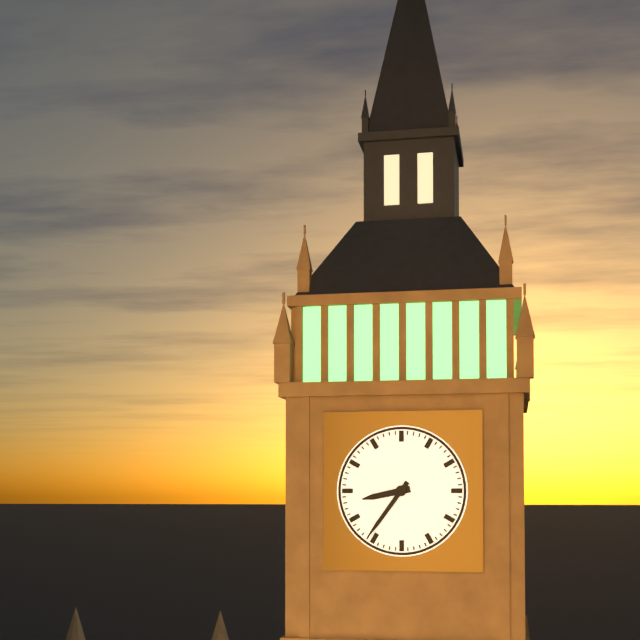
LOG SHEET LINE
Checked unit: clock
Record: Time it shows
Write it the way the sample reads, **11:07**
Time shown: **8:36**
